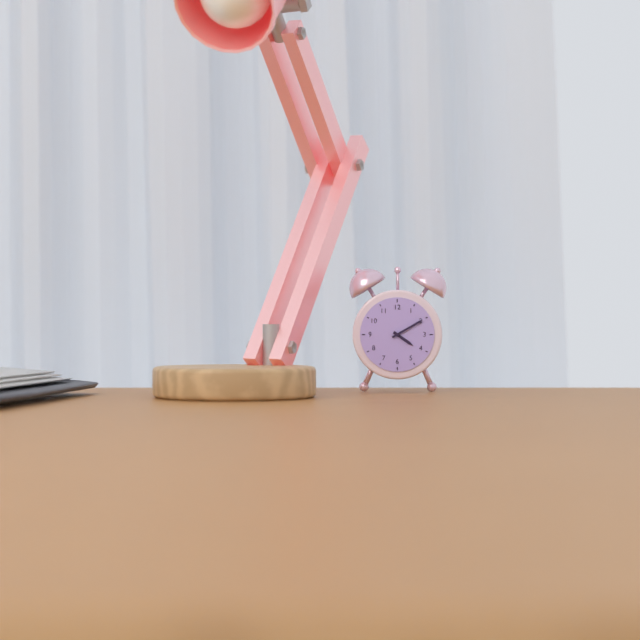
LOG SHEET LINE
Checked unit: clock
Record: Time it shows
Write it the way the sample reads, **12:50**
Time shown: **4:10**
